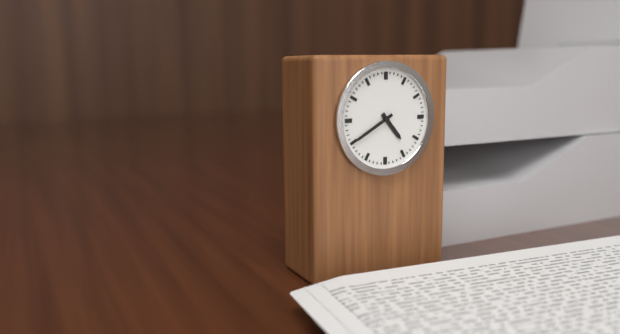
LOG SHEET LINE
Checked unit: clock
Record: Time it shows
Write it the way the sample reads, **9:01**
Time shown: **4:40**
